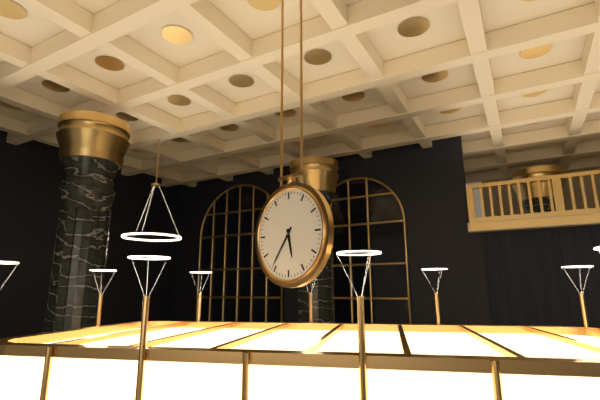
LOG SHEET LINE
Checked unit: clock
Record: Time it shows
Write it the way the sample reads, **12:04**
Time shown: **5:36**
